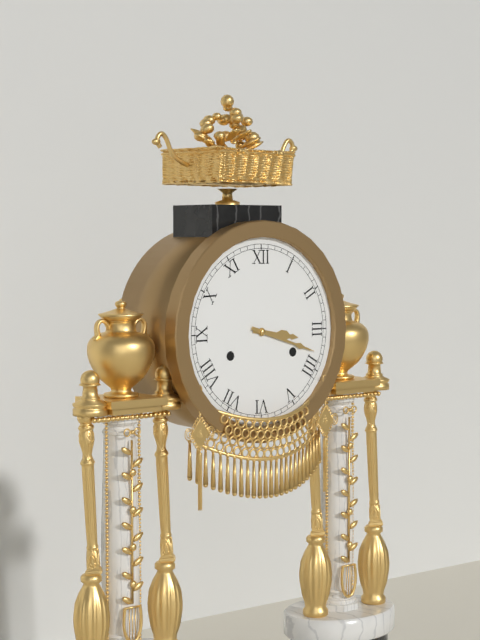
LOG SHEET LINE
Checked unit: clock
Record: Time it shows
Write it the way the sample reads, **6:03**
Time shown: **3:18**
